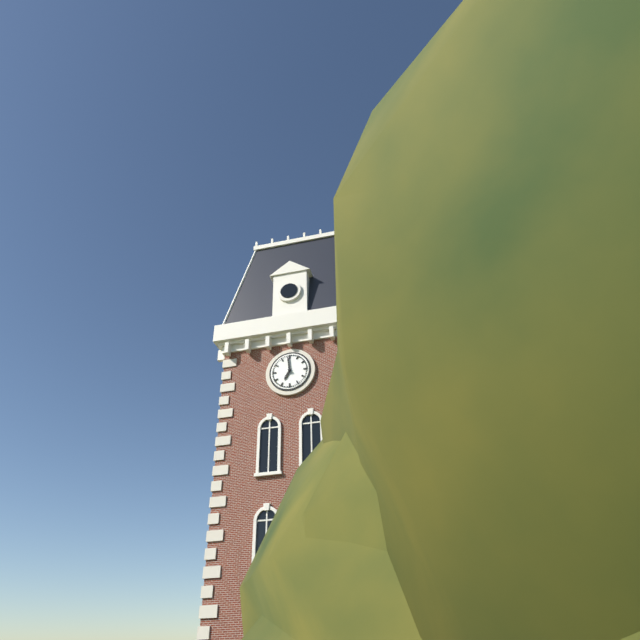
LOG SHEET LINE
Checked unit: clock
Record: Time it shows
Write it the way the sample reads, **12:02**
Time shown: **6:59**
